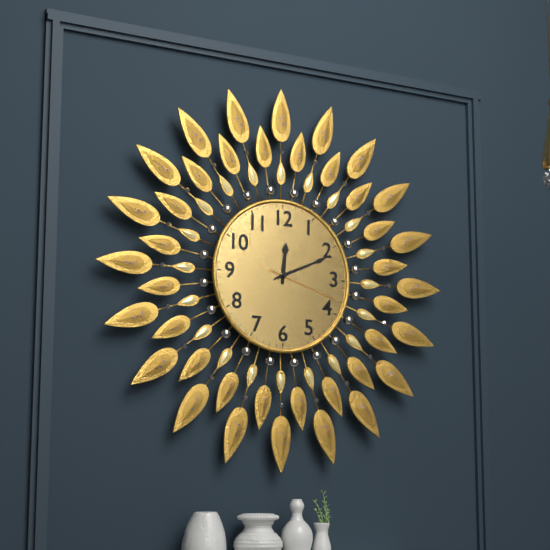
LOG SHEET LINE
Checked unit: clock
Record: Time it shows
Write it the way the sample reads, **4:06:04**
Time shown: **12:11:18**
